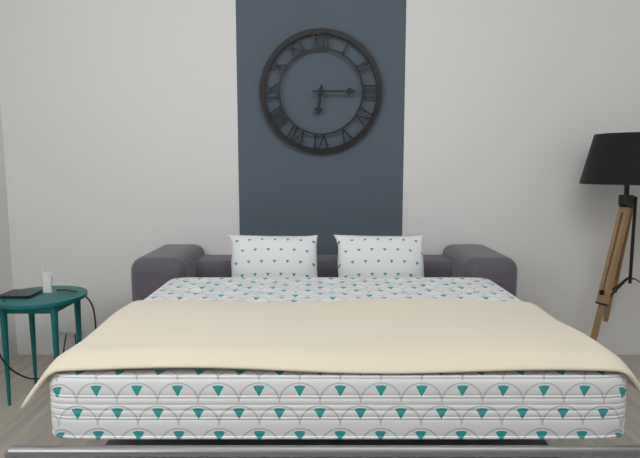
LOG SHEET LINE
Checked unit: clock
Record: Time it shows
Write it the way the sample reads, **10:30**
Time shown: **6:15**
